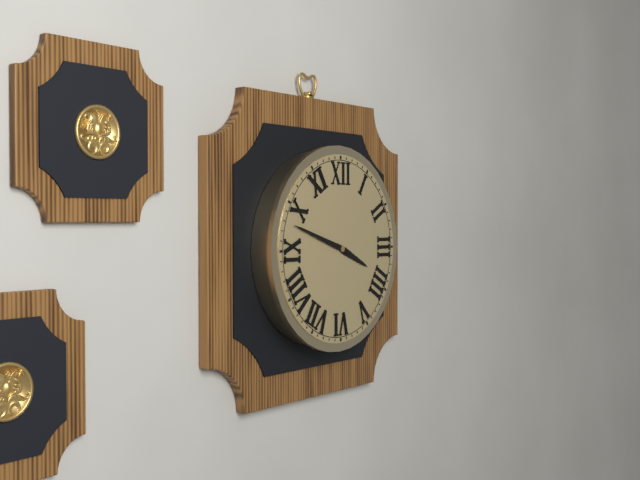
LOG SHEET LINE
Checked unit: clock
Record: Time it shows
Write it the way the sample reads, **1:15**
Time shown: **3:48**
